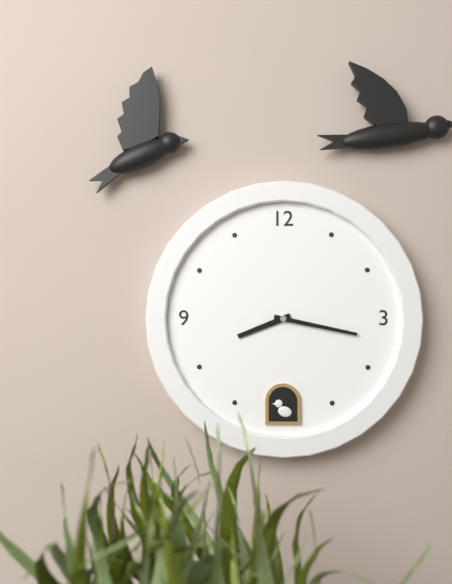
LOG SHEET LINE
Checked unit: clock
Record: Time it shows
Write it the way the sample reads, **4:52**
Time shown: **8:17**
